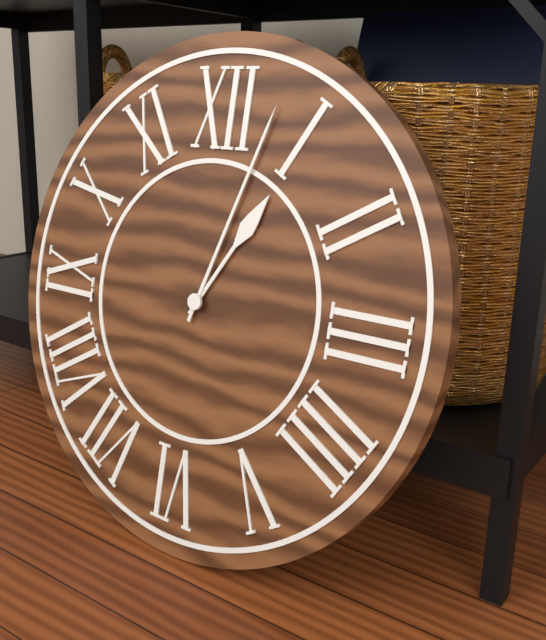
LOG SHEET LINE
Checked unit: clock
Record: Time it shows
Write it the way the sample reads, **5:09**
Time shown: **1:03**
